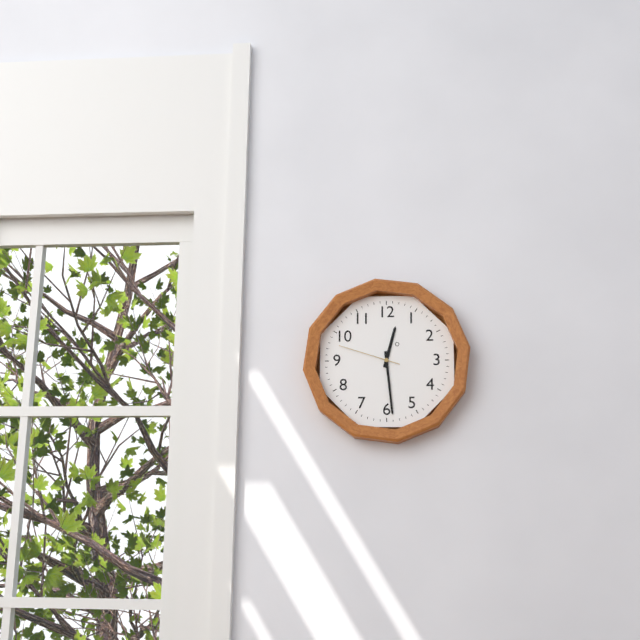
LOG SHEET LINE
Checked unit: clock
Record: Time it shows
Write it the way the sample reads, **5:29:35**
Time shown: **12:29:48**
